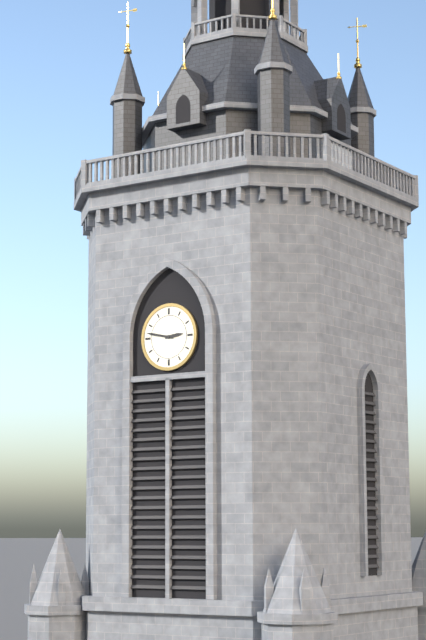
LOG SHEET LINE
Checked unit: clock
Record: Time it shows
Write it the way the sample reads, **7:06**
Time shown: **2:47**
